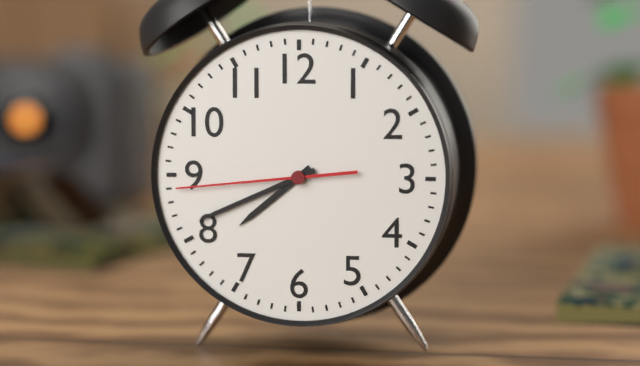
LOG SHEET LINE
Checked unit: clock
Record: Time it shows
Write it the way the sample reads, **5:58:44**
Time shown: **7:41:44**
